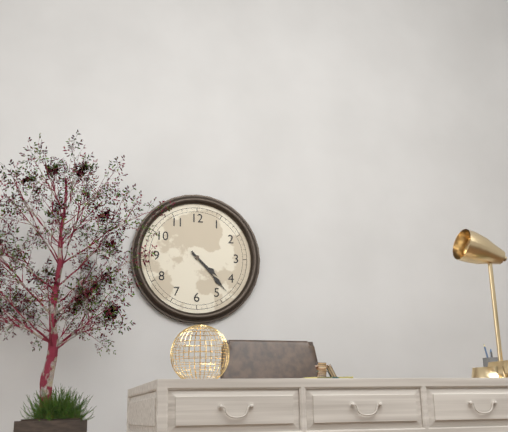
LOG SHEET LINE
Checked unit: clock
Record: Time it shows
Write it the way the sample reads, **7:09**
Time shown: **4:23**
